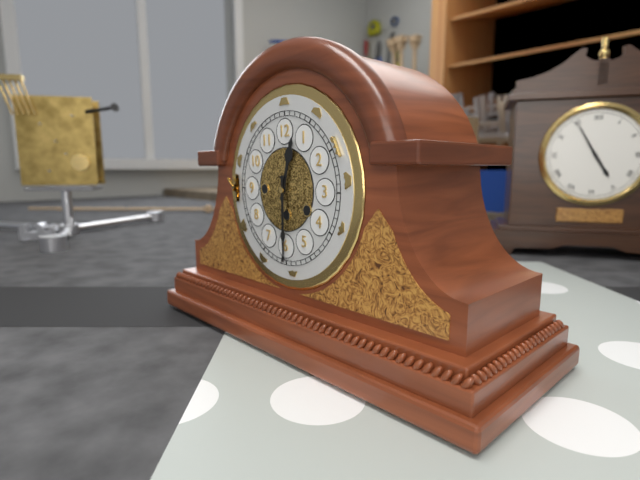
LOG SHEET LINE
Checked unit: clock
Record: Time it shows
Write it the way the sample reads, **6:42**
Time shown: **12:30**
